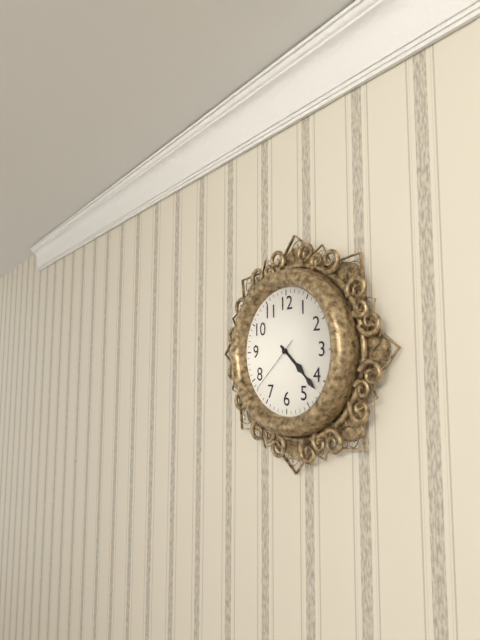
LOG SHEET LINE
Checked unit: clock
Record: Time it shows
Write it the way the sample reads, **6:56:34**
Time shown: **4:22:38**
